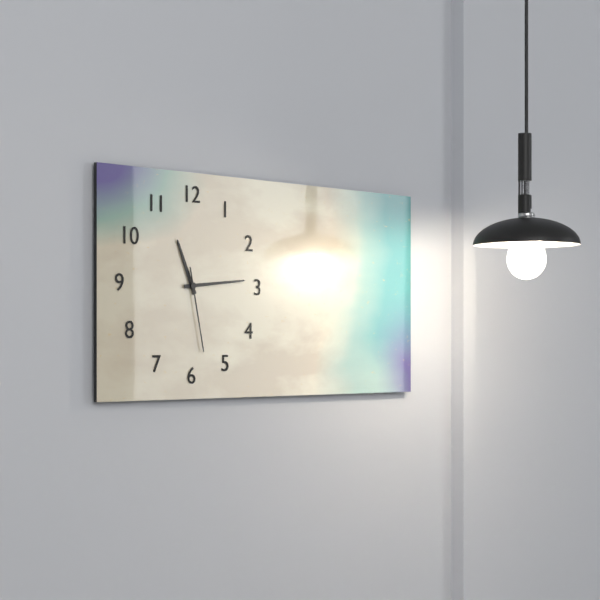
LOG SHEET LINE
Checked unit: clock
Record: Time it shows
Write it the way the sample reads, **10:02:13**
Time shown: **11:14:28**
